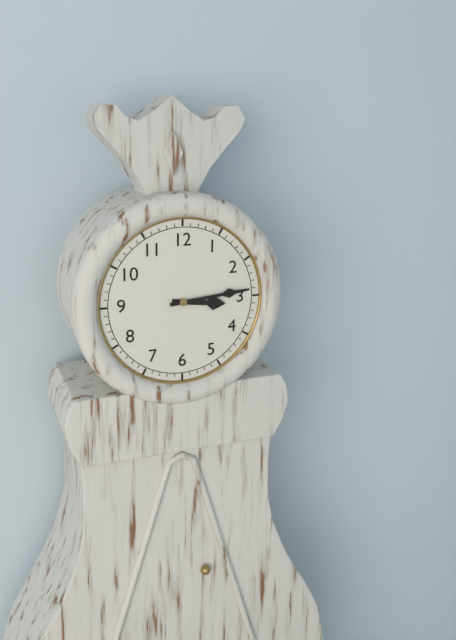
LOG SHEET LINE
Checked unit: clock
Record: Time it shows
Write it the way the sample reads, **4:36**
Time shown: **3:14**
